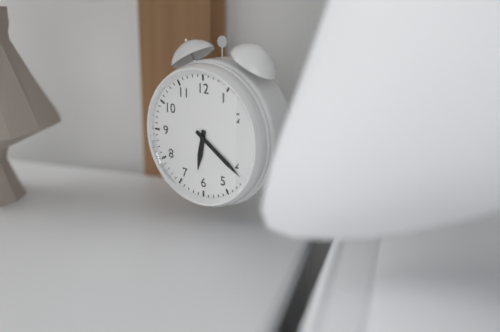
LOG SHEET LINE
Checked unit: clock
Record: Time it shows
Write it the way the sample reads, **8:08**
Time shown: **6:21**
